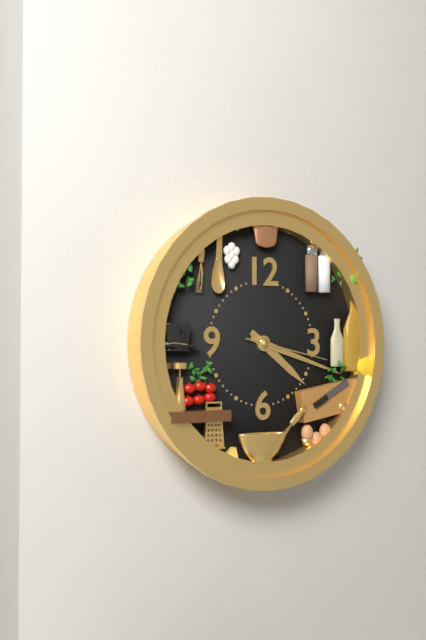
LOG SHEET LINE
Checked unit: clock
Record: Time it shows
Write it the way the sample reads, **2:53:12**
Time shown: **4:18:17**
